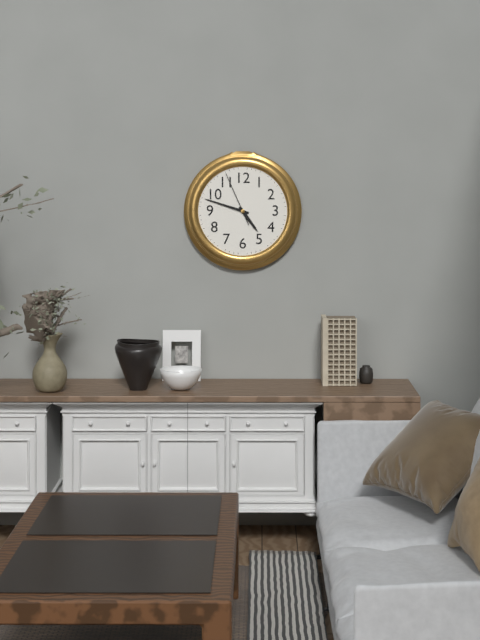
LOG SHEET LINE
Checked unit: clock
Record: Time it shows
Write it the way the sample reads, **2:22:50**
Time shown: **4:48:56**
